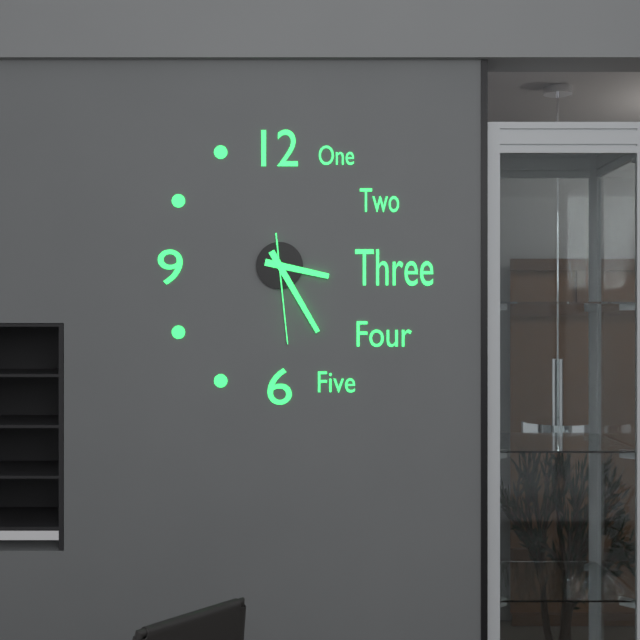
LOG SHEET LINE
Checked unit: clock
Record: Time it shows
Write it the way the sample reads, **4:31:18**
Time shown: **3:25:29**
